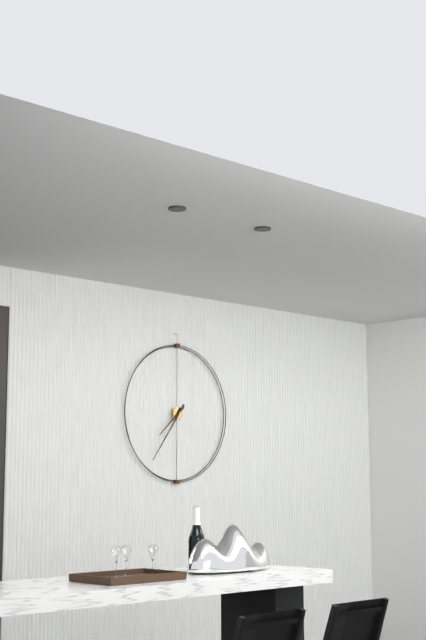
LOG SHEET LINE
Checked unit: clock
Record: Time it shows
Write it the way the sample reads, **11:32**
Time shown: **7:36**
